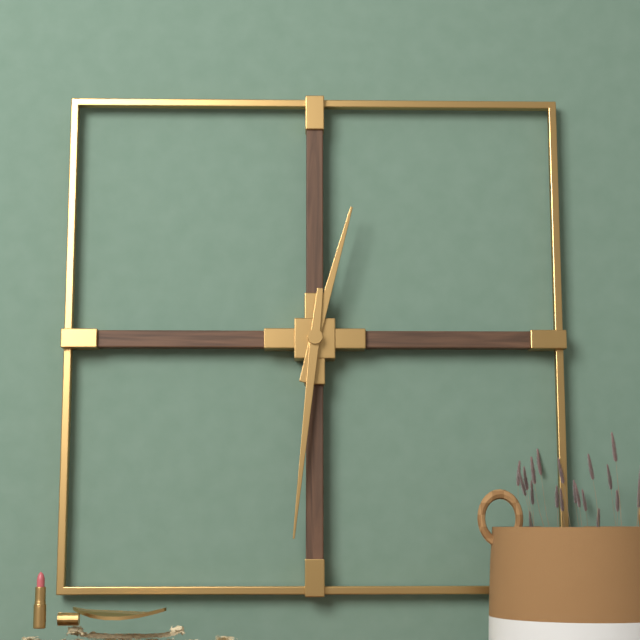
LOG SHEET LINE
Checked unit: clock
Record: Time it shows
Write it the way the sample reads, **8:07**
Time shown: **12:31**
